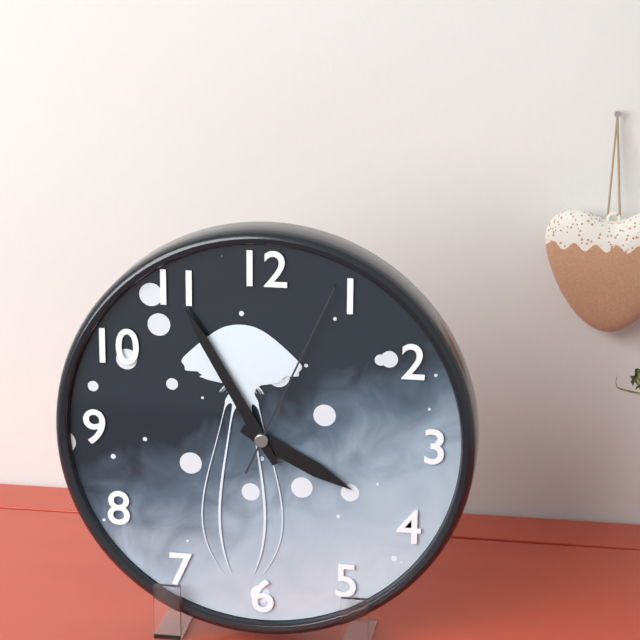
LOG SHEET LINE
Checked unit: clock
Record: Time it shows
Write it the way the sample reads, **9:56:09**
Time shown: **3:55:04**
